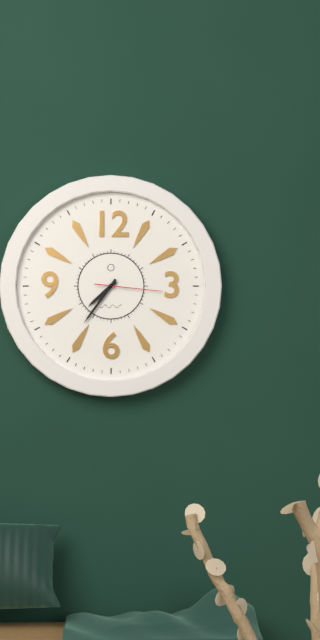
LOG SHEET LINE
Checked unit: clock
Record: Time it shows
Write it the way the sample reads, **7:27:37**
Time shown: **7:36:16**
